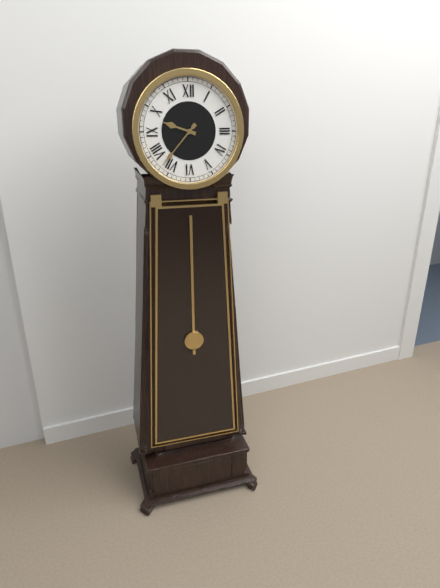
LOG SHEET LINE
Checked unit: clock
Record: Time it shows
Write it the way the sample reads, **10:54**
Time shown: **9:37**
